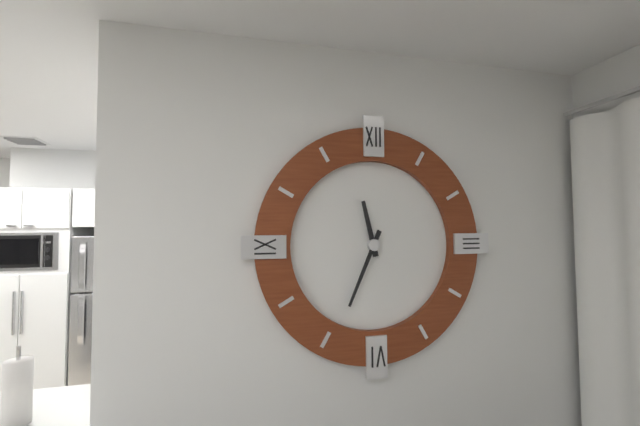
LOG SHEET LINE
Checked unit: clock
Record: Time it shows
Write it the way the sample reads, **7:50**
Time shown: **11:34**
